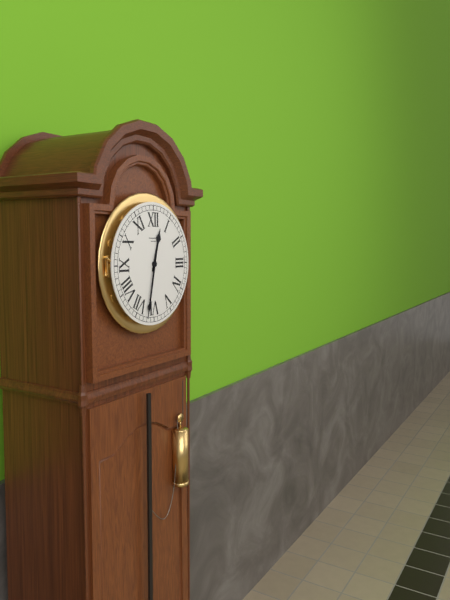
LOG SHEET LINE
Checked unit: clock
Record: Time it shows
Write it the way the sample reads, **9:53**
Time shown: **12:32**
